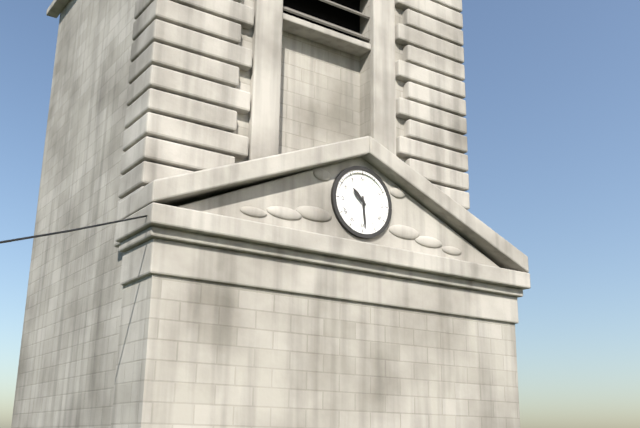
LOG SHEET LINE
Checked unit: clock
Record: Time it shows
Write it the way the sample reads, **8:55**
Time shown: **10:29**
